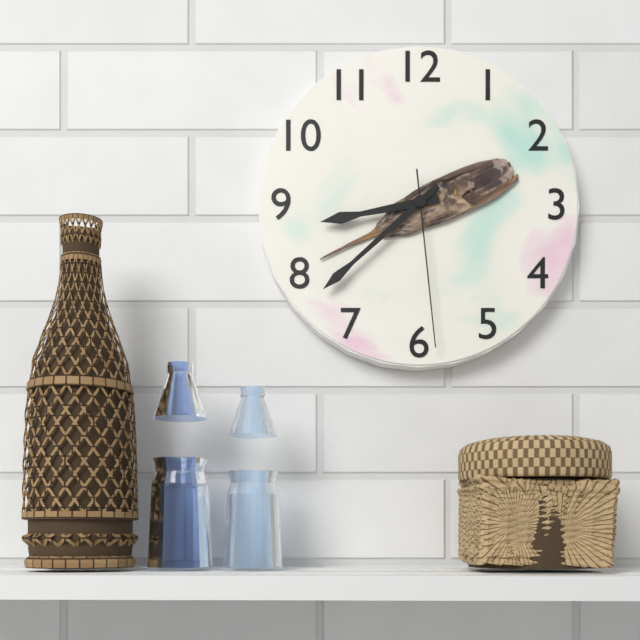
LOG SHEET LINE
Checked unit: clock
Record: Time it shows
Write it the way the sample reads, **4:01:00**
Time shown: **8:38:29**
